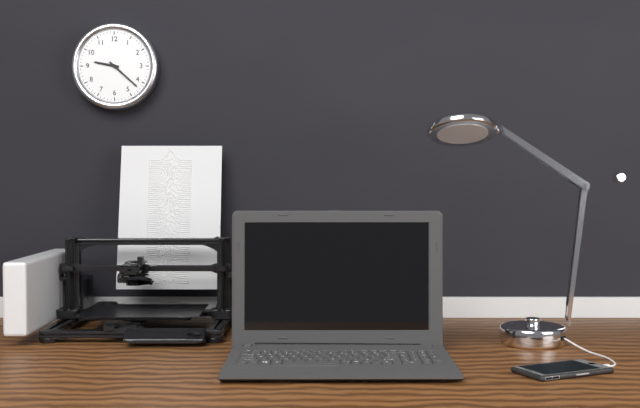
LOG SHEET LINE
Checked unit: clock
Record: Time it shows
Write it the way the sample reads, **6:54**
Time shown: **9:22**
